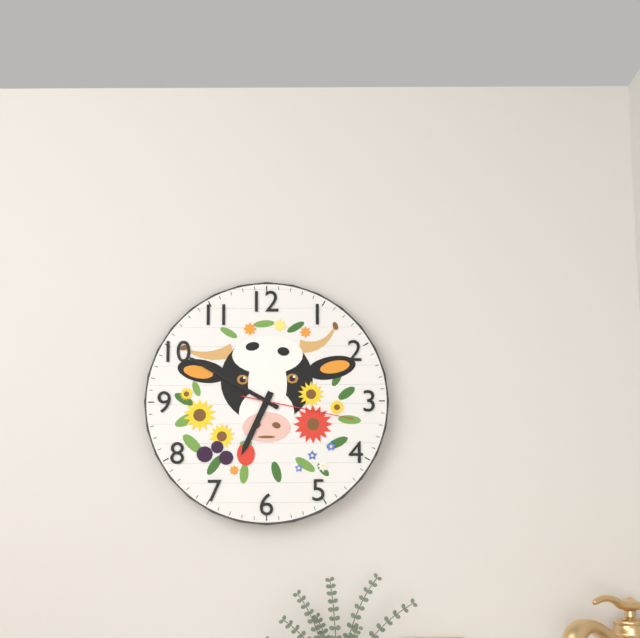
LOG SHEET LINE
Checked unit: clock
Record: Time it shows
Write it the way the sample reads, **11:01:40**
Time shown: **6:50:17**
